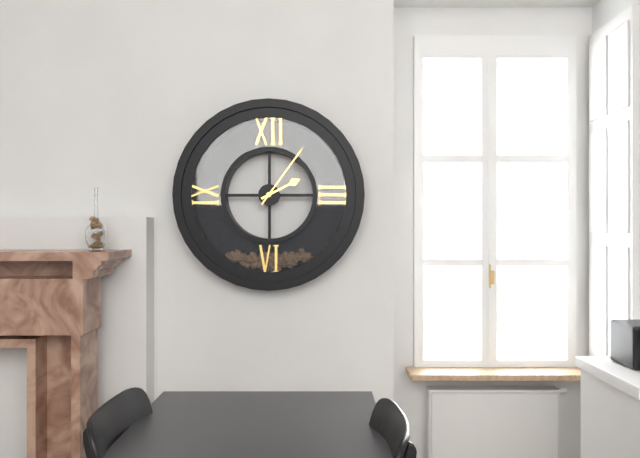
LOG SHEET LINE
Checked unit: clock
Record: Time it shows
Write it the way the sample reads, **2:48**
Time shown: **2:06**
